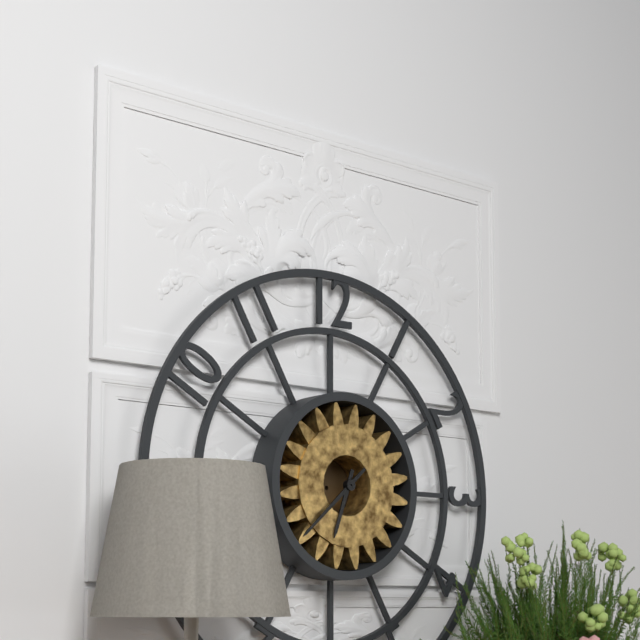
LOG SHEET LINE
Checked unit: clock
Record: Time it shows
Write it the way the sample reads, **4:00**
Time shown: **6:38**
